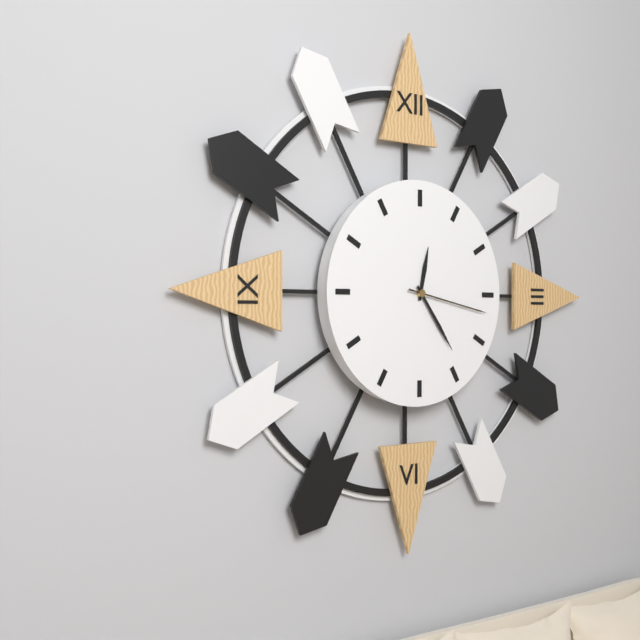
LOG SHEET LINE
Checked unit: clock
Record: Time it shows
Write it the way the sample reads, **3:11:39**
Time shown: **12:24:17**
